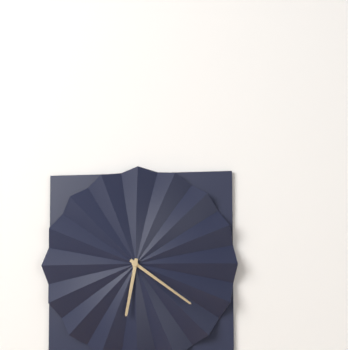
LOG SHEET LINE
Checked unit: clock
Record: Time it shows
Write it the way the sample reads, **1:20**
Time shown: **6:21**
